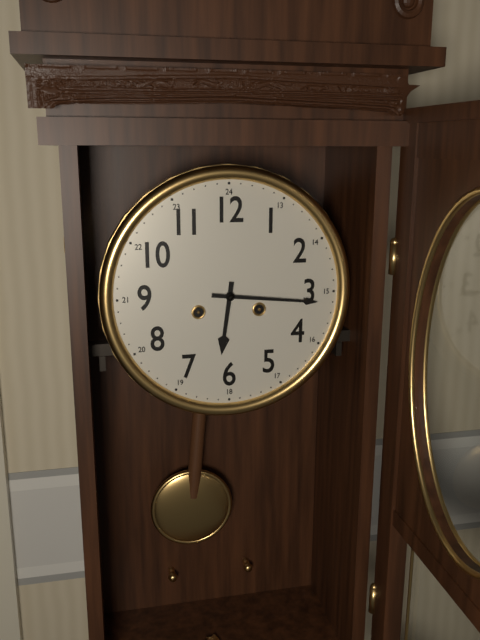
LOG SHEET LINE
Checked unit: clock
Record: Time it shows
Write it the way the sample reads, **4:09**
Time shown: **6:16**
